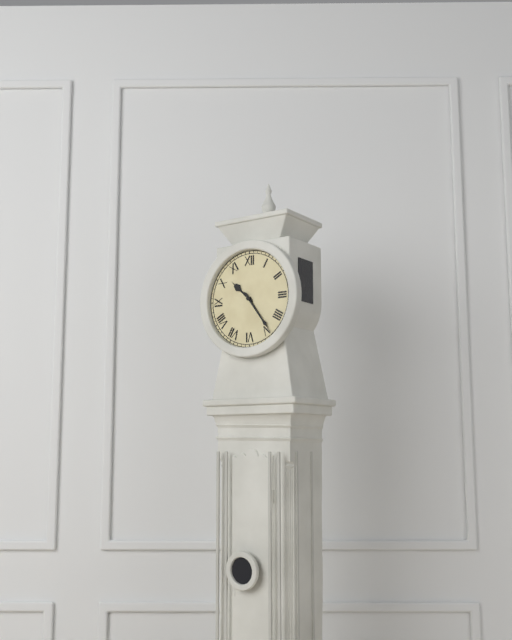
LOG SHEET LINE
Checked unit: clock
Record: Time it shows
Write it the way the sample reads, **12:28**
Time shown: **10:24**
